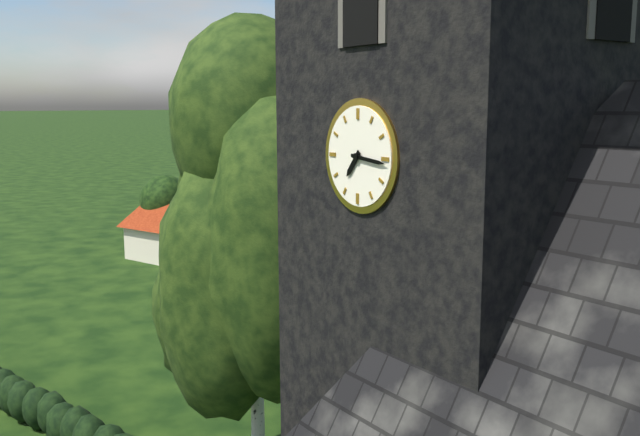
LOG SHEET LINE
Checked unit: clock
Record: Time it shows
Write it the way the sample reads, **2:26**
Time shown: **7:16**
